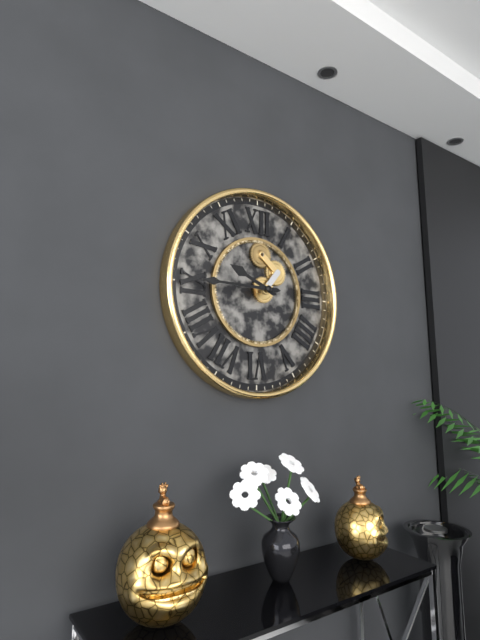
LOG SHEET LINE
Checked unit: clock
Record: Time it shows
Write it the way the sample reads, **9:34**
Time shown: **9:45**
